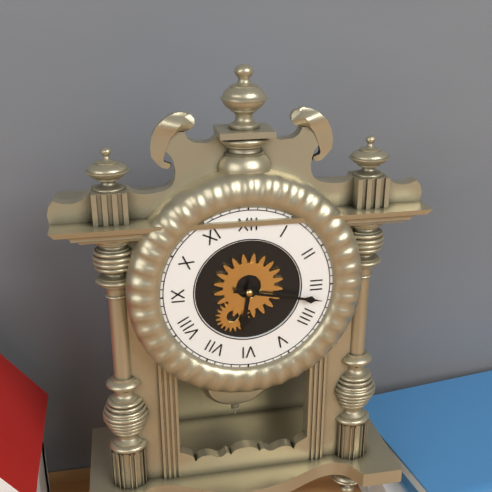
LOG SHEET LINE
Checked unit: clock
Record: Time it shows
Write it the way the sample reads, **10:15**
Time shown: **6:17**
